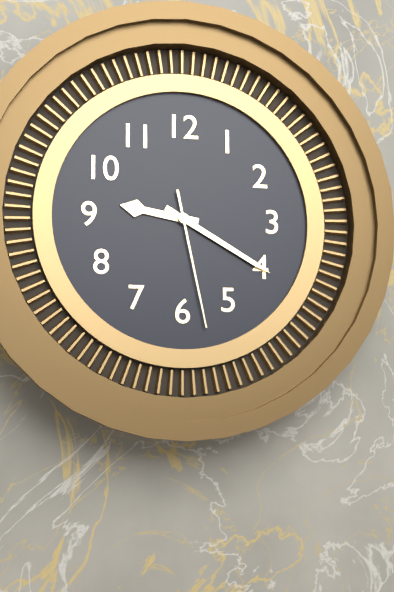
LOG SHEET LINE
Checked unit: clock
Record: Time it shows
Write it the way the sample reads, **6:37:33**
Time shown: **9:20:28**
